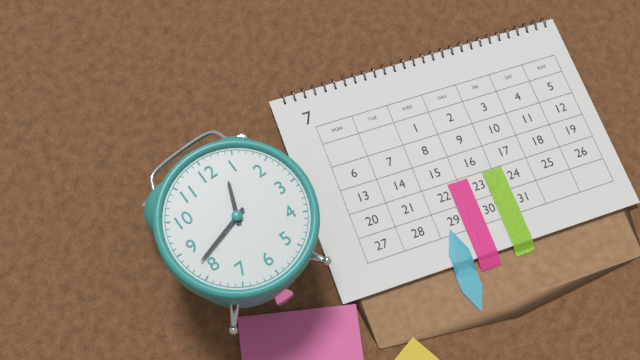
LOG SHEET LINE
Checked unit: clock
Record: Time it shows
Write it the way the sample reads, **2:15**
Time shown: **12:42**
